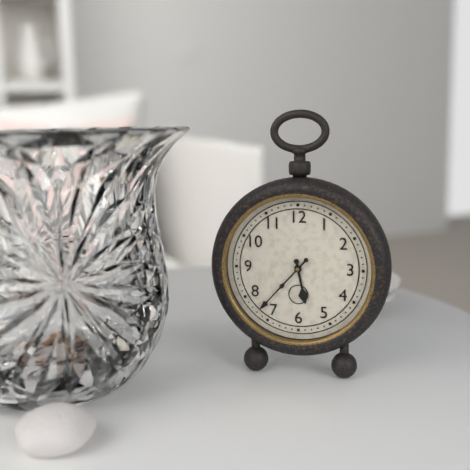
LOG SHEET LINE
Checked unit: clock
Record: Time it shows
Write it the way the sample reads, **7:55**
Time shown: **5:37**
